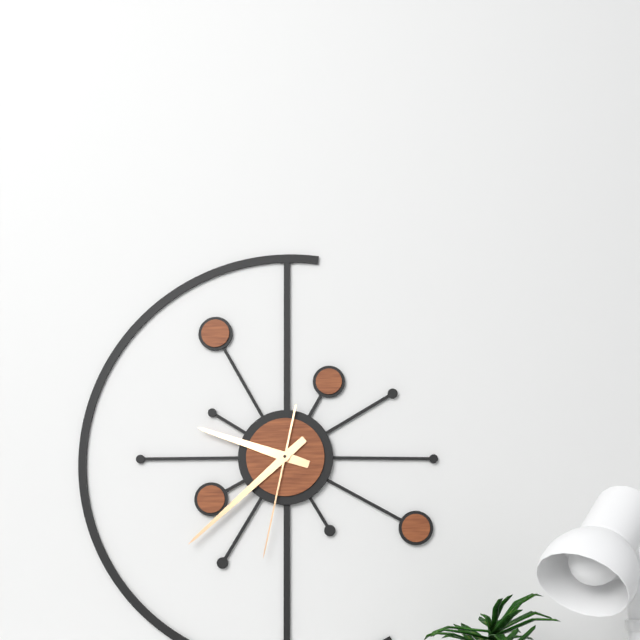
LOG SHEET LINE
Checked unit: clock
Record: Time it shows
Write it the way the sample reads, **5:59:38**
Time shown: **9:38:32**
